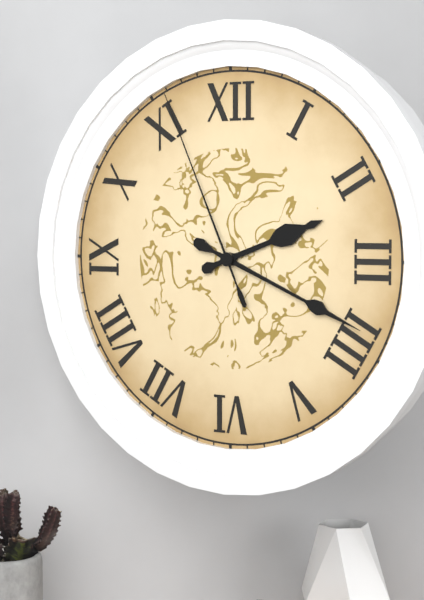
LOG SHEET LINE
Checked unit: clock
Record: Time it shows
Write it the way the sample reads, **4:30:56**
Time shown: **2:19:56**
